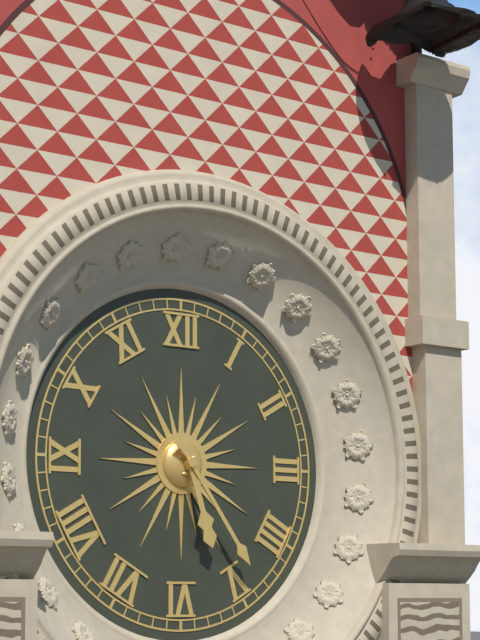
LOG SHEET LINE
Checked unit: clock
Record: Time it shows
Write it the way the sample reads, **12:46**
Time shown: **5:24**
